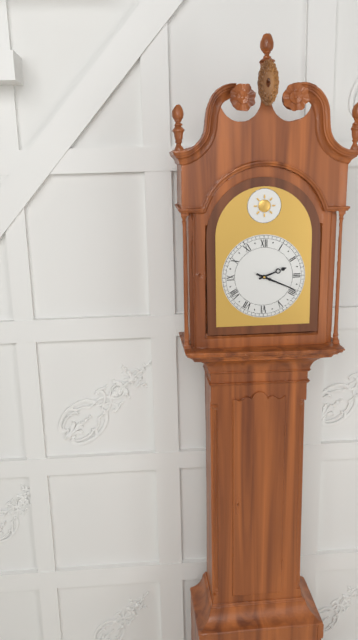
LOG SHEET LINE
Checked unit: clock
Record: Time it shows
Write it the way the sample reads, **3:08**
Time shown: **2:19**
